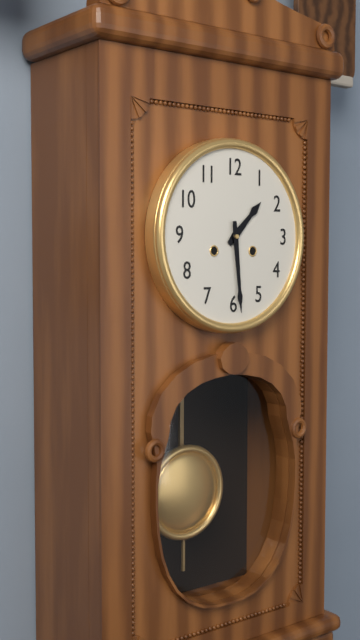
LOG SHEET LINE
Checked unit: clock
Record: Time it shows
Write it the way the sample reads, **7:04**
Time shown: **1:29**
